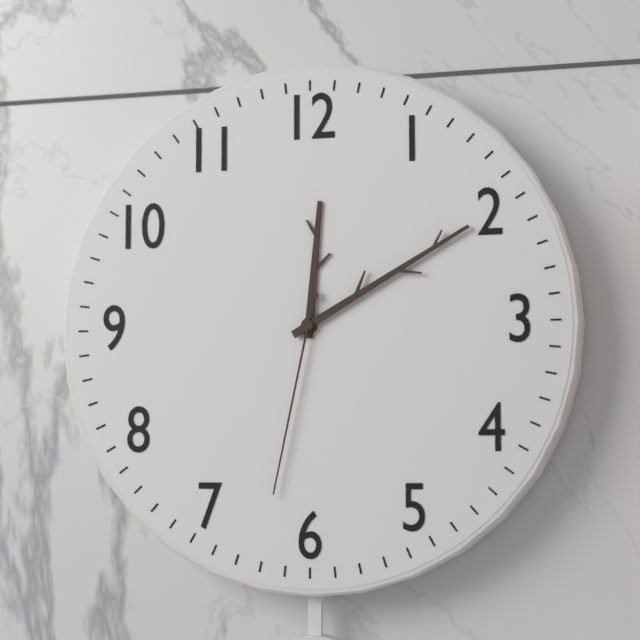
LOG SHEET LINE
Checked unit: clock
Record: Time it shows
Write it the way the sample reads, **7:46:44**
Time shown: **12:10:32**
